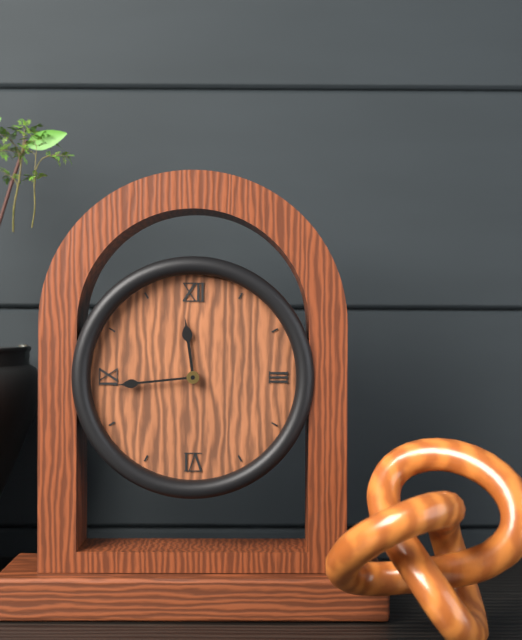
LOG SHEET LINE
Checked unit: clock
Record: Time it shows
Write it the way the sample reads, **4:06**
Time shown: **11:44**
